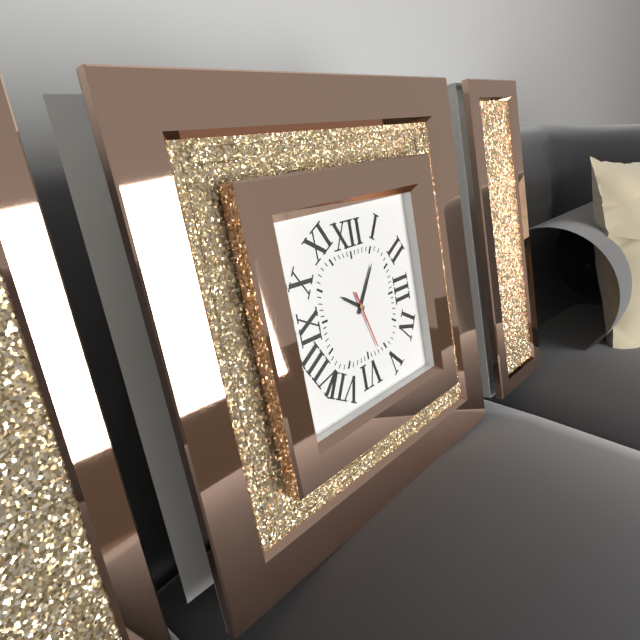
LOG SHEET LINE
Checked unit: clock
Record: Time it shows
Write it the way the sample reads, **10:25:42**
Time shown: **10:06:27**
